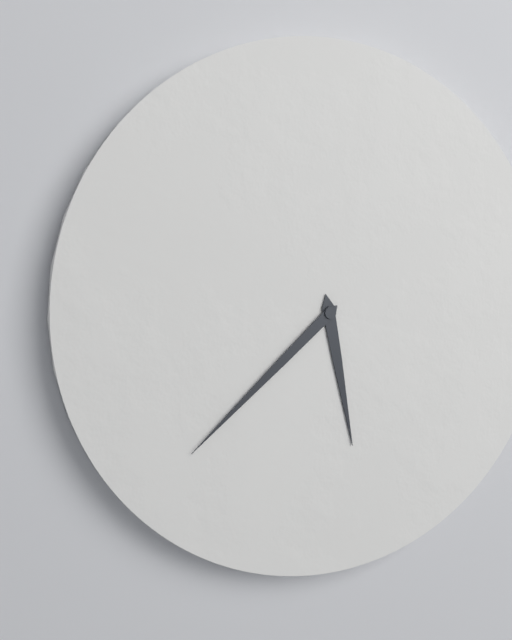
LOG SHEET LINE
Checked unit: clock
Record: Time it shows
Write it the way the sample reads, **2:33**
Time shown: **5:38**
